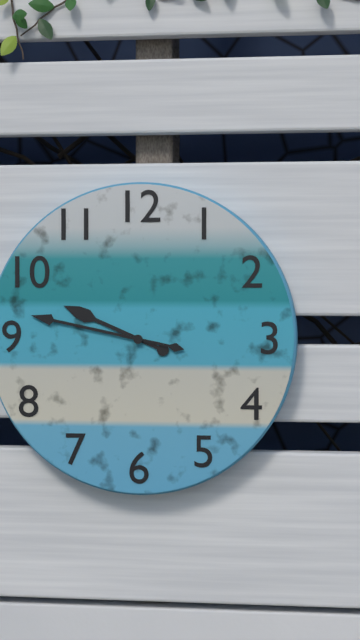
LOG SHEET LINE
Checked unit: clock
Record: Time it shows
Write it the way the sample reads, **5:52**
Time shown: **9:47**
